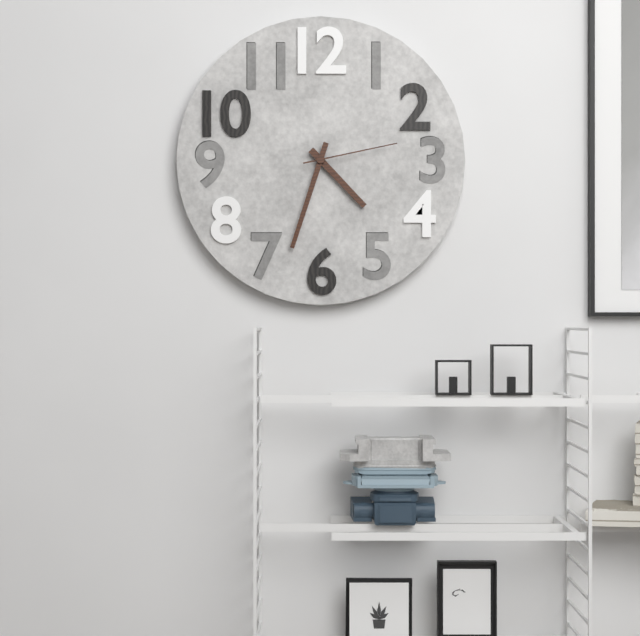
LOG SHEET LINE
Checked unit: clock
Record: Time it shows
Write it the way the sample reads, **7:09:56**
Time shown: **4:33:13**
